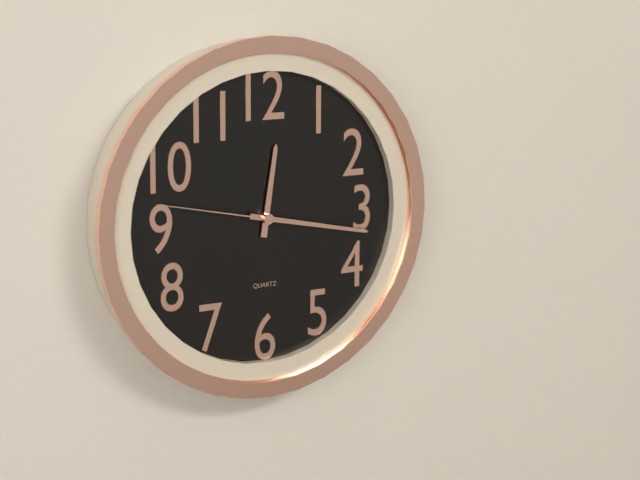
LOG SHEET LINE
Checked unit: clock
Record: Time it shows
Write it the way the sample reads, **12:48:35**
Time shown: **12:17:47**
